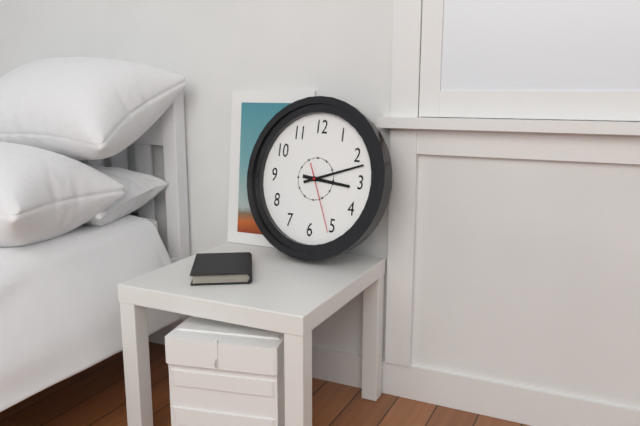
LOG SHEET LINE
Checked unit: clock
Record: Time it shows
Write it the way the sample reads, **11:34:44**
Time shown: **3:12:26**
